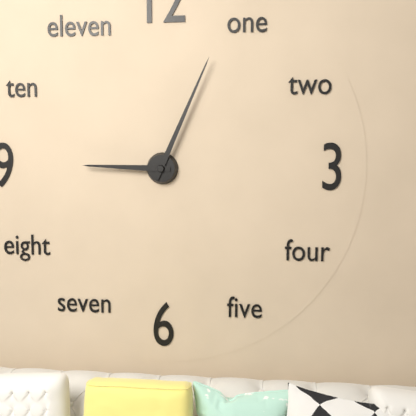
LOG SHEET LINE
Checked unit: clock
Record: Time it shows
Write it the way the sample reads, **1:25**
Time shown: **9:04**
